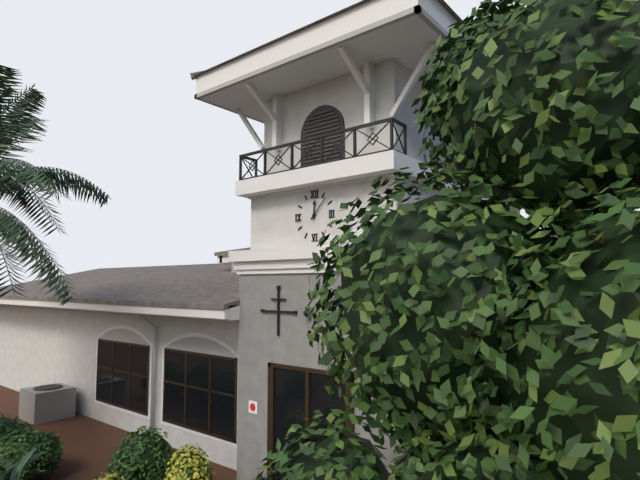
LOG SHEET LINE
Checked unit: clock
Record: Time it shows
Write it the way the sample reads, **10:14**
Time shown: **12:07**
